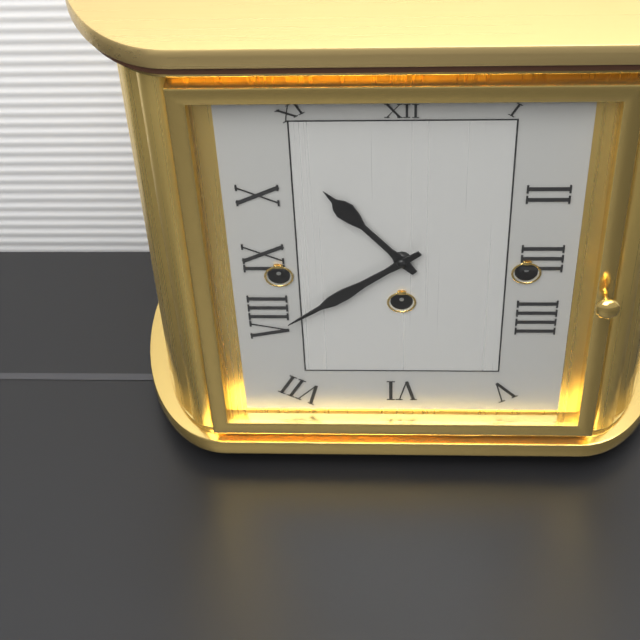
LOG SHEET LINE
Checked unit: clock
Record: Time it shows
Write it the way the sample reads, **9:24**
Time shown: **10:39**
